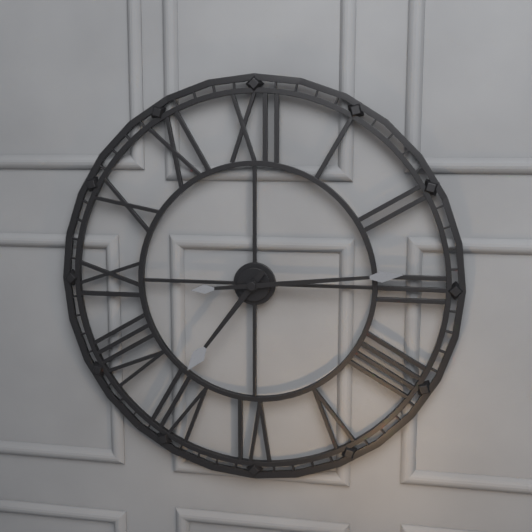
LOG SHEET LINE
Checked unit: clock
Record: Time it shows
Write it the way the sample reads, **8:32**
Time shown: **7:14**
